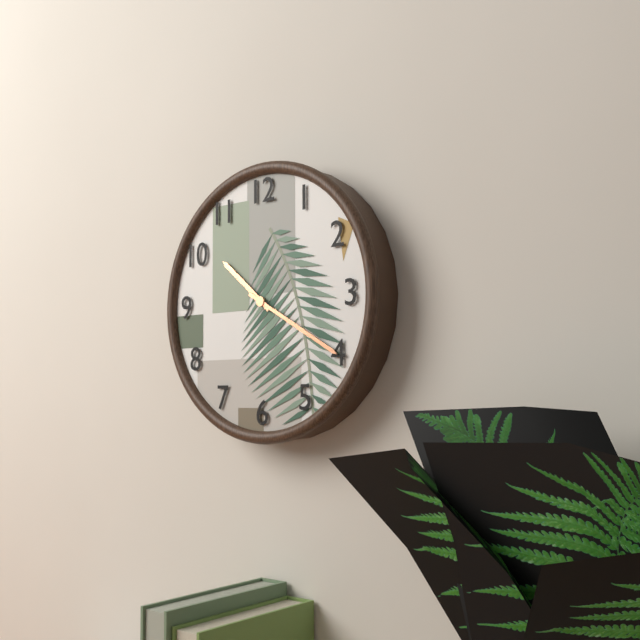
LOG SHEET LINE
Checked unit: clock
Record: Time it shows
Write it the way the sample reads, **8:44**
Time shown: **10:20**
